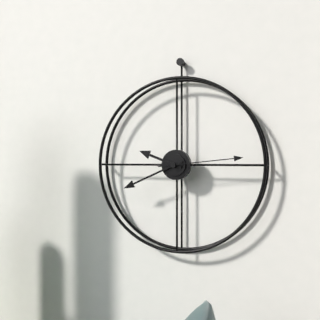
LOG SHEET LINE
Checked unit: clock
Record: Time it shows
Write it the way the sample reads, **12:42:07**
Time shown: **9:41:14**
